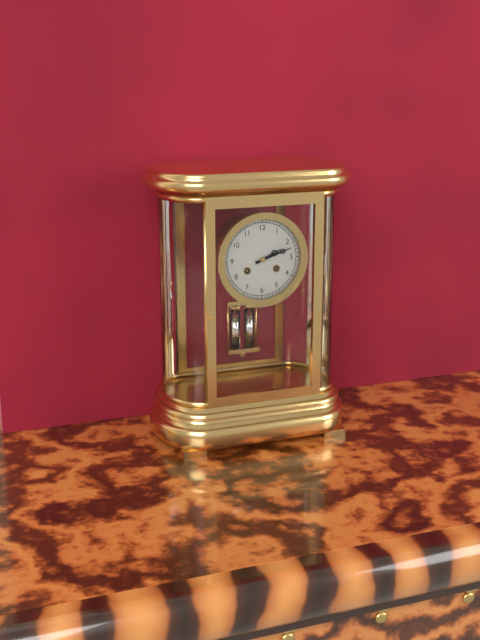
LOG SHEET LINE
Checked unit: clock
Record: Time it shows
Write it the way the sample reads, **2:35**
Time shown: **2:12**
